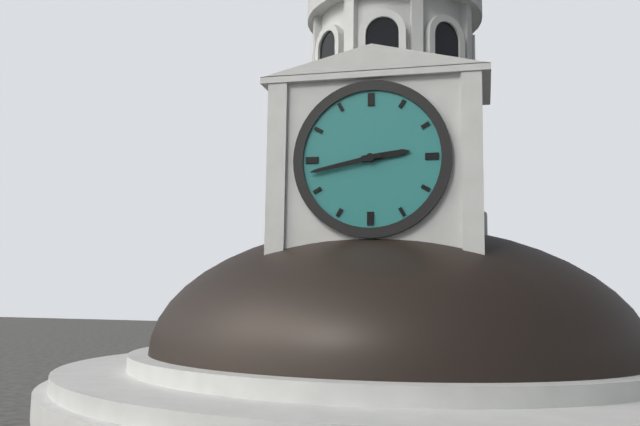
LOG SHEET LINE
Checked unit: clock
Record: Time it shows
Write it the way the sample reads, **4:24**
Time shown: **2:43**
